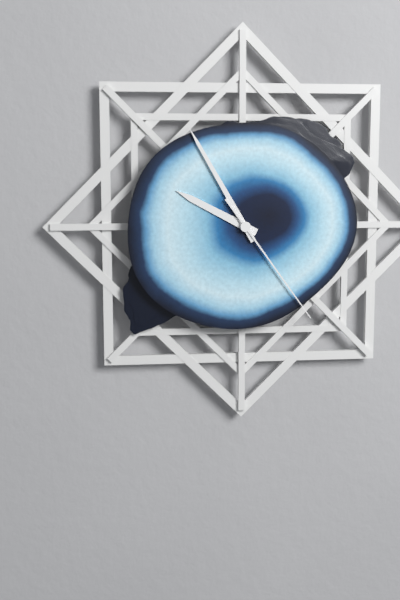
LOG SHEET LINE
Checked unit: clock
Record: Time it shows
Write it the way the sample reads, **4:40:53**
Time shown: **9:55:24**
